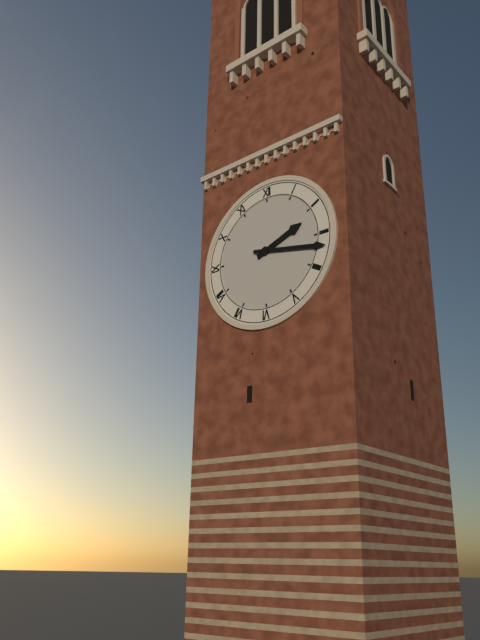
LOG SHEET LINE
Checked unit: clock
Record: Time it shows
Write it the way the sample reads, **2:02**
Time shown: **2:17**
